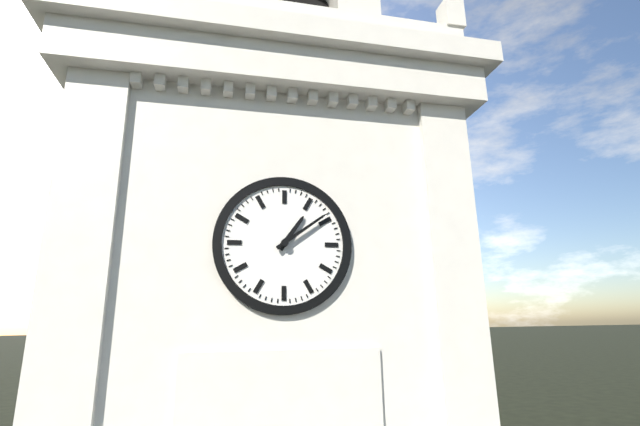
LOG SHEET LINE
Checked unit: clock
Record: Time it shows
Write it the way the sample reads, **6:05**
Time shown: **1:09**
